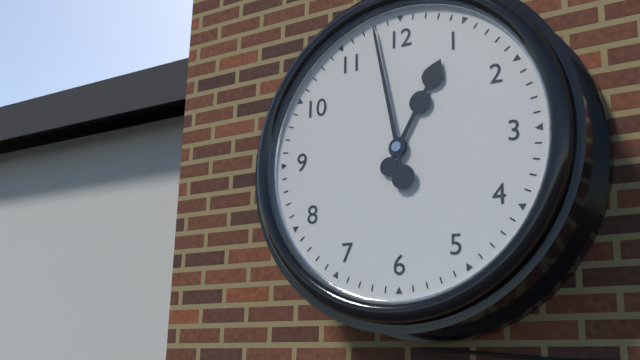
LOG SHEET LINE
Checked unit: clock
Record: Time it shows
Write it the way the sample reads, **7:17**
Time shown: **12:58**
